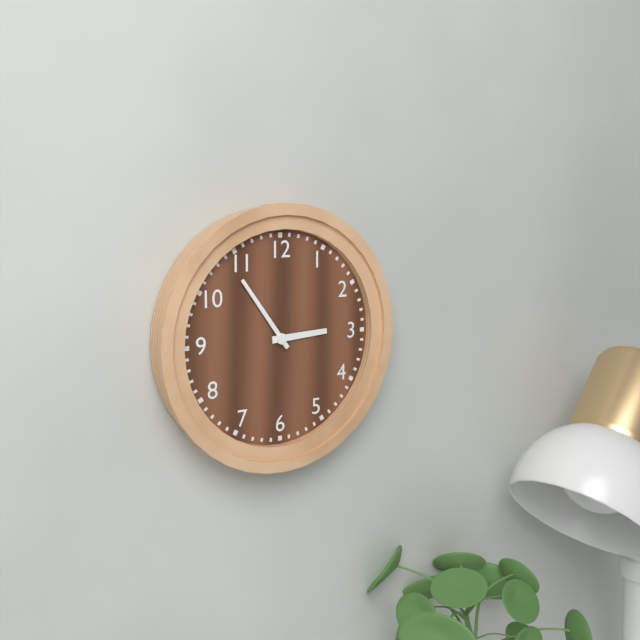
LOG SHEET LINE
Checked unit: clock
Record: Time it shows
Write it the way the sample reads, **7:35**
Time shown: **2:54**
